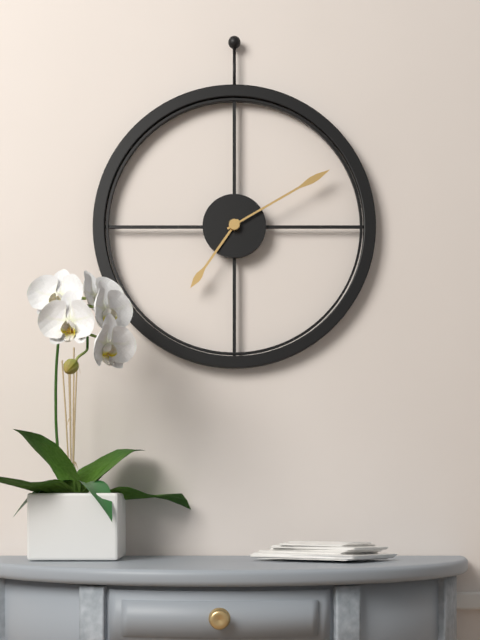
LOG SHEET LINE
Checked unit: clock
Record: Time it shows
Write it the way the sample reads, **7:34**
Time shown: **7:10**
